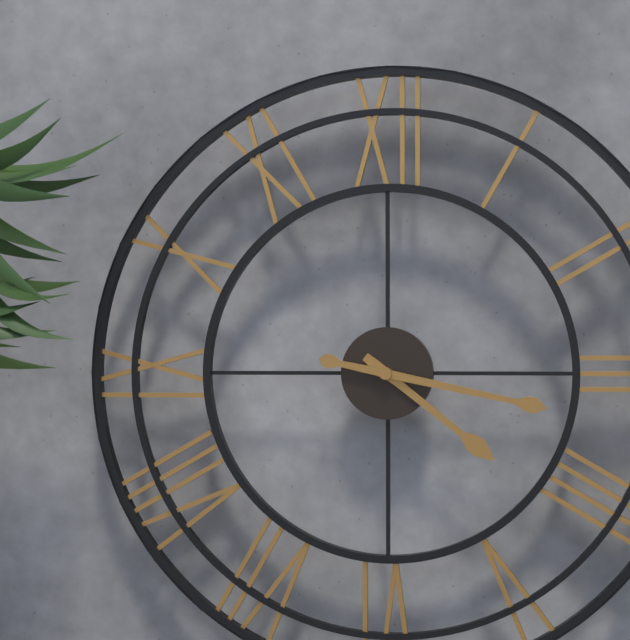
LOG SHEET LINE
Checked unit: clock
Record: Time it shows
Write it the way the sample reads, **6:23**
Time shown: **4:17**
